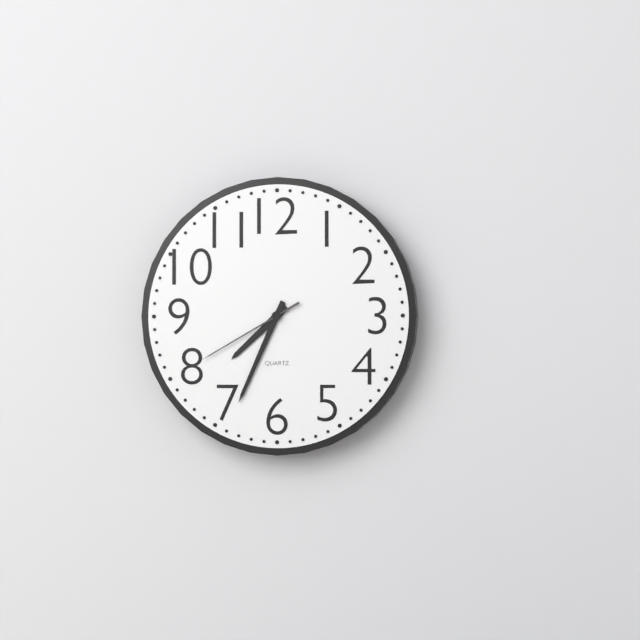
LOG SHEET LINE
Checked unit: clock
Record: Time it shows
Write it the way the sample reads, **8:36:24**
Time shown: **7:34:40**
